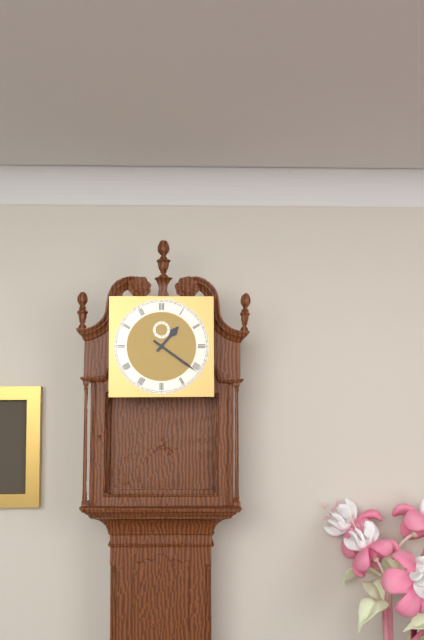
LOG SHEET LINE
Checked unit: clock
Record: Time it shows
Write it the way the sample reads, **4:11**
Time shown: **1:21**
